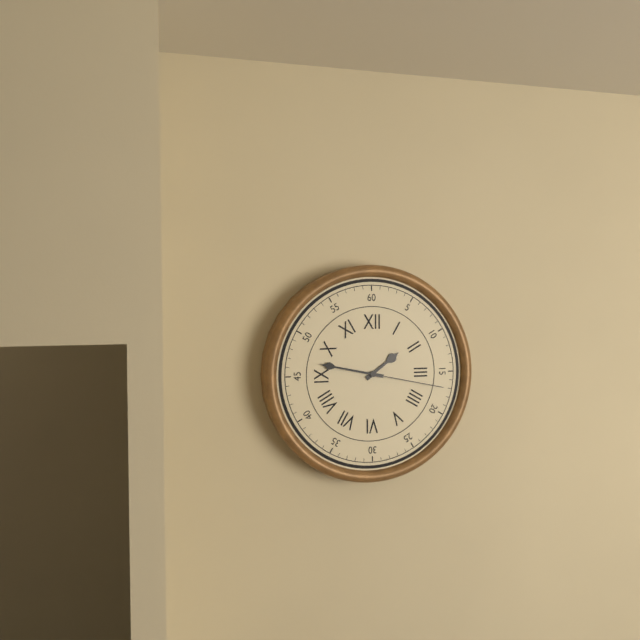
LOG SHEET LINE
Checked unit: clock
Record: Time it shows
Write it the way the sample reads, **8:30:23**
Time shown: **1:47:17**
